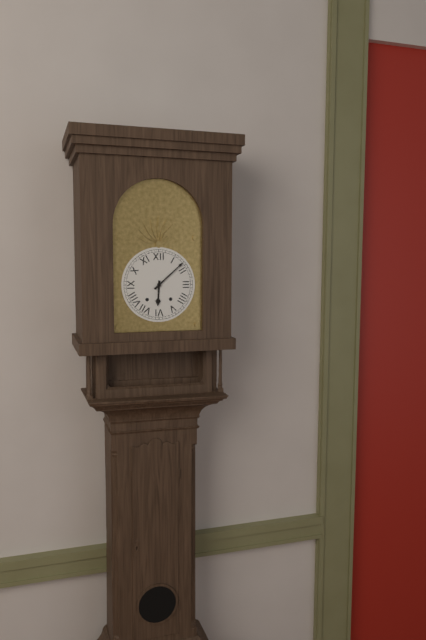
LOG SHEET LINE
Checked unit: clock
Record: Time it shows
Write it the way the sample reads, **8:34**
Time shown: **6:08**
